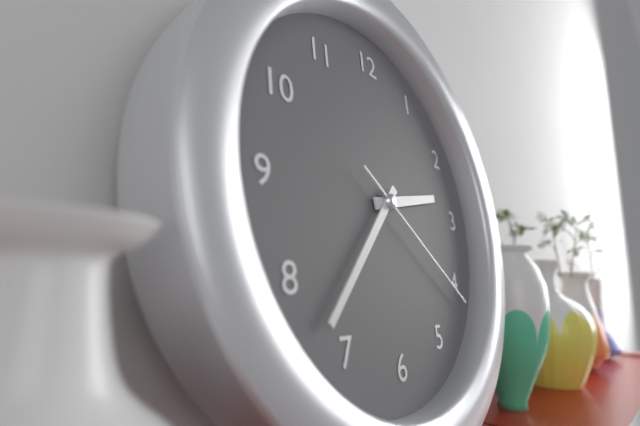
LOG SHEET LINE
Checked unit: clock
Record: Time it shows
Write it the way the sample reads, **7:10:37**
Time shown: **2:37:21**
